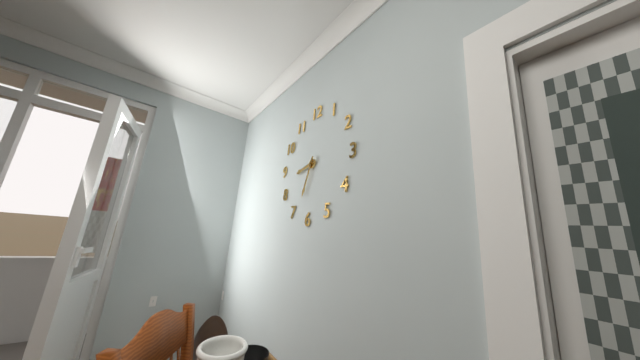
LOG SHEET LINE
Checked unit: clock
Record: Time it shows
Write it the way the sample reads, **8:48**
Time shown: **8:33**
